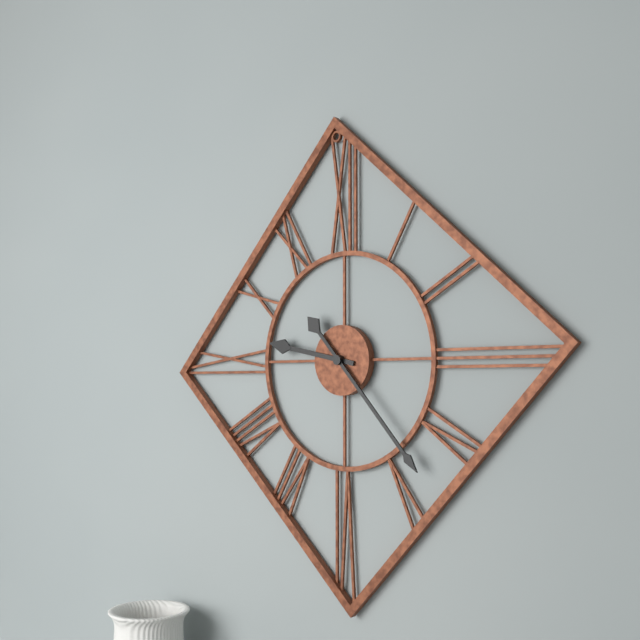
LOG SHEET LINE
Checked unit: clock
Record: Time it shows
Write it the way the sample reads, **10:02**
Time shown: **9:23**
